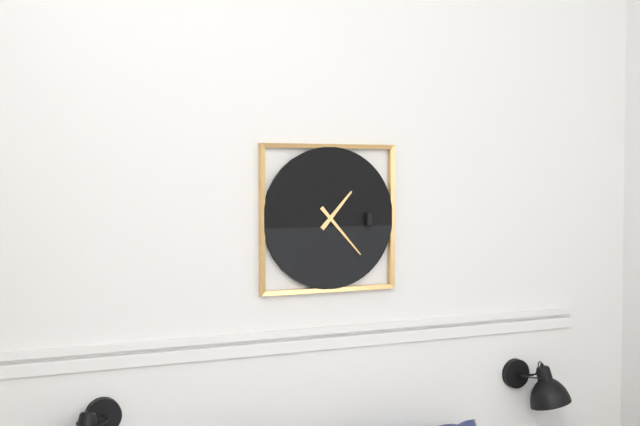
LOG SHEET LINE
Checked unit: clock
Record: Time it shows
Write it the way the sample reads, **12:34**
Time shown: **1:23**
